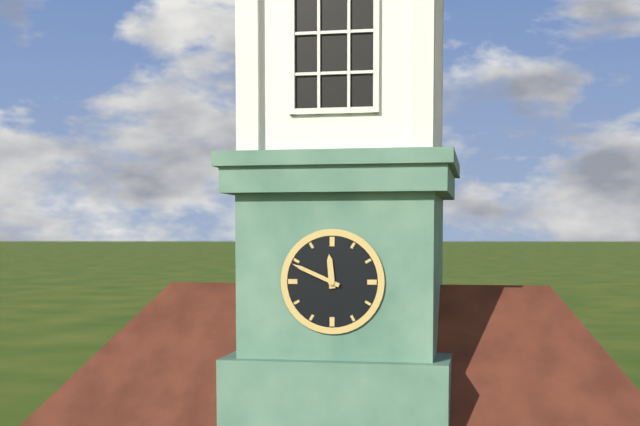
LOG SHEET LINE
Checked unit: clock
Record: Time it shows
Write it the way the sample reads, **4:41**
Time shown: **11:49**
